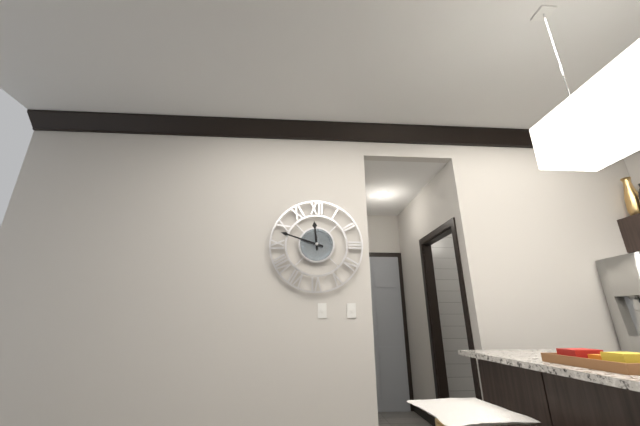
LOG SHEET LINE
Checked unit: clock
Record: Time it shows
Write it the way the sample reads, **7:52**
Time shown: **11:48**
